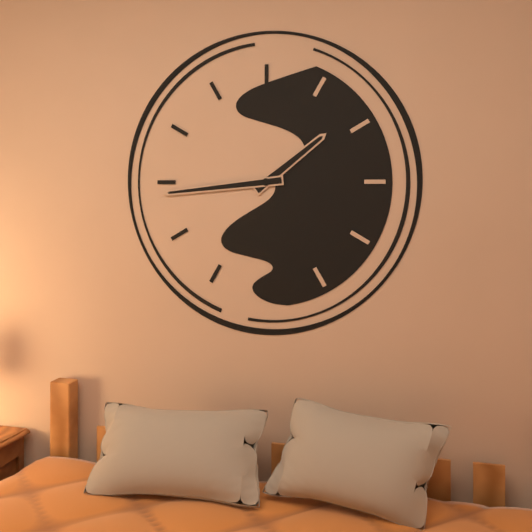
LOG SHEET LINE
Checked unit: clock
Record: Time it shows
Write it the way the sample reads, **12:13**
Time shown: **1:44**
